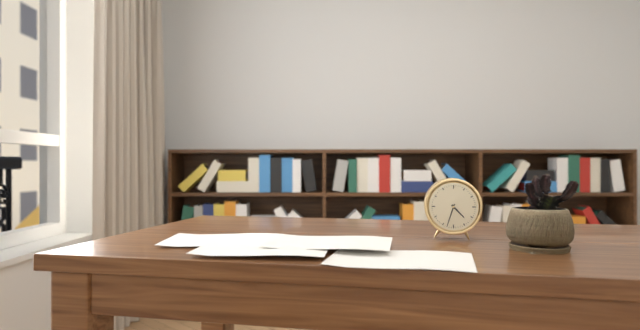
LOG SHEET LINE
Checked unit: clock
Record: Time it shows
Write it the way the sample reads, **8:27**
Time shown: **4:33**
